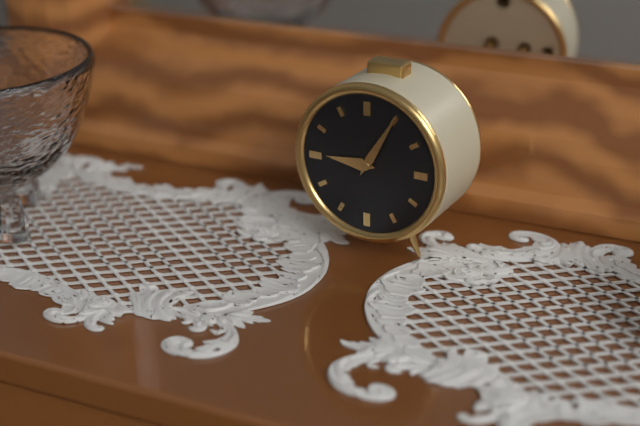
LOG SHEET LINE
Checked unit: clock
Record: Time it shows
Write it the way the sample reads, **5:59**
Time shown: **9:05**
